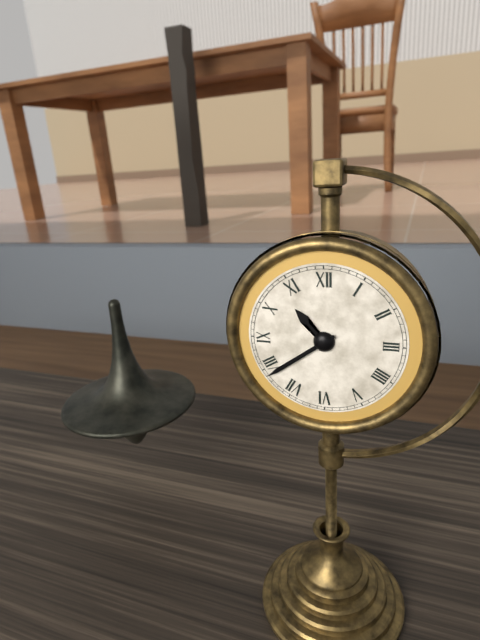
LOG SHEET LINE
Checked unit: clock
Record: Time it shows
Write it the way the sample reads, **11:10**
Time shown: **10:39**
